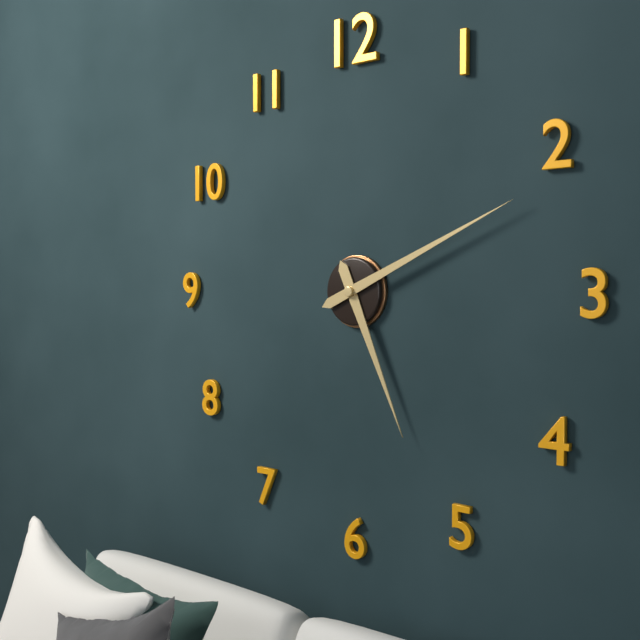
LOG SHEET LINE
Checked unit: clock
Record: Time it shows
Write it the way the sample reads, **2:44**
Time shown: **5:11**
